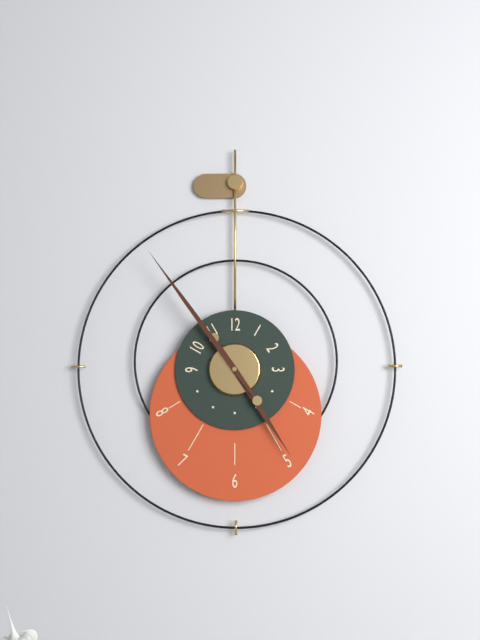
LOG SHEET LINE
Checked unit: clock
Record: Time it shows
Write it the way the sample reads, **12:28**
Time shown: **4:54**
